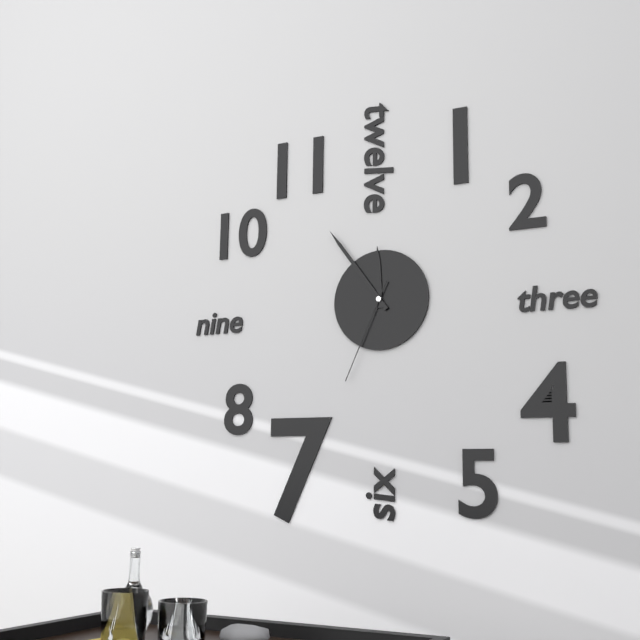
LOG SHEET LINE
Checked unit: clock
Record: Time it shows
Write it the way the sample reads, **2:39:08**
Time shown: **11:54:34**
